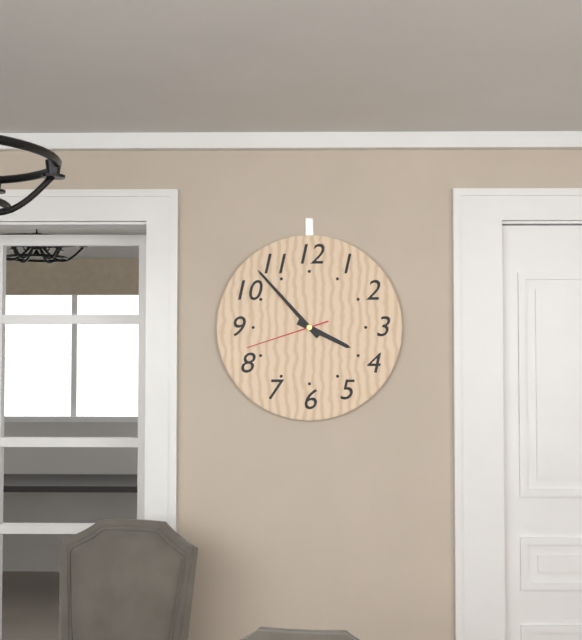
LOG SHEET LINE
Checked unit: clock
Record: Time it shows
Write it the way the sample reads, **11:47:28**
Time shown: **3:53:42**
